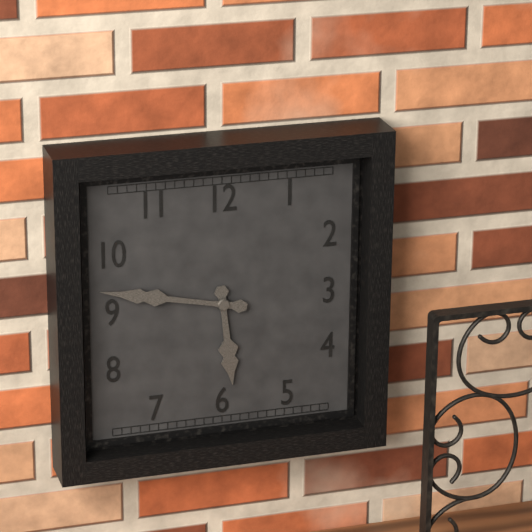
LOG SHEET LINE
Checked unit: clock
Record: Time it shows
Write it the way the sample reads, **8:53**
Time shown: **5:47**
